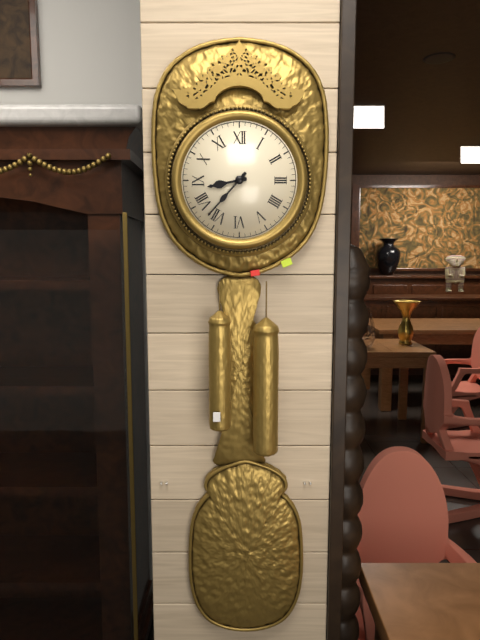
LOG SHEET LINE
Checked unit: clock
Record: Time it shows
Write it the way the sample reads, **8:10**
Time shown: **8:37**
